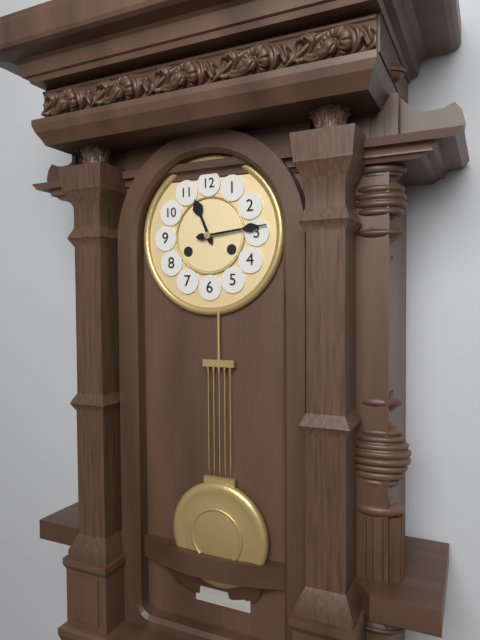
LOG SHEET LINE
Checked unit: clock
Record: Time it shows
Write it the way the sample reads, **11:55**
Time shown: **11:14**
